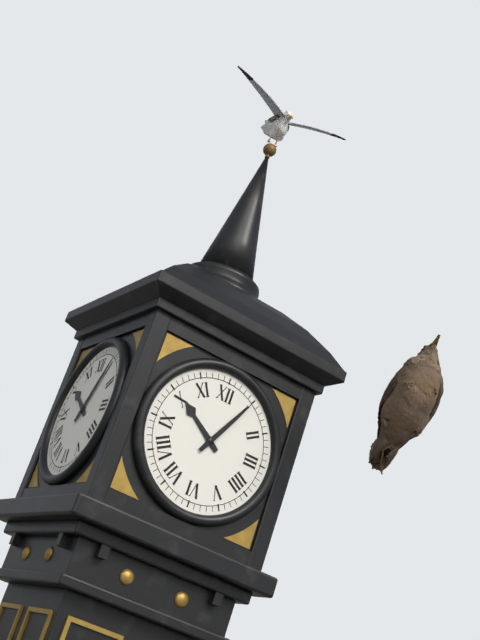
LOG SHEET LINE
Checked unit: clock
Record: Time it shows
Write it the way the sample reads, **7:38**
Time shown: **10:05**
